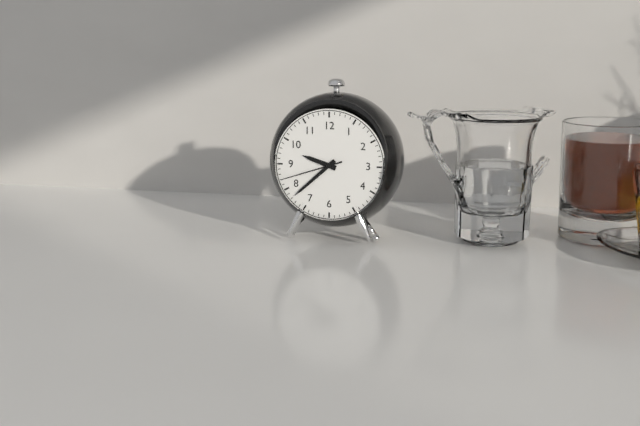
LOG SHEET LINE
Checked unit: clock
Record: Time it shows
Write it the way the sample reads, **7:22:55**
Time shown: **9:38:42**
